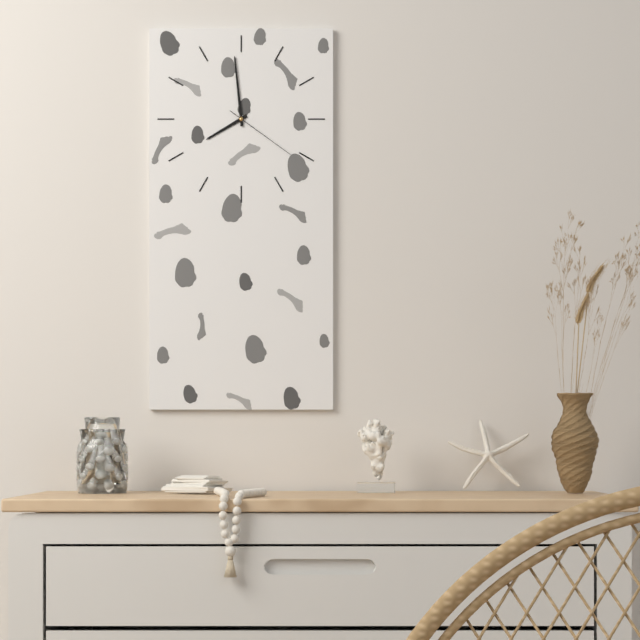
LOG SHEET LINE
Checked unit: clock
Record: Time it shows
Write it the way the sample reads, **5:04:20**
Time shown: **7:59:21**
